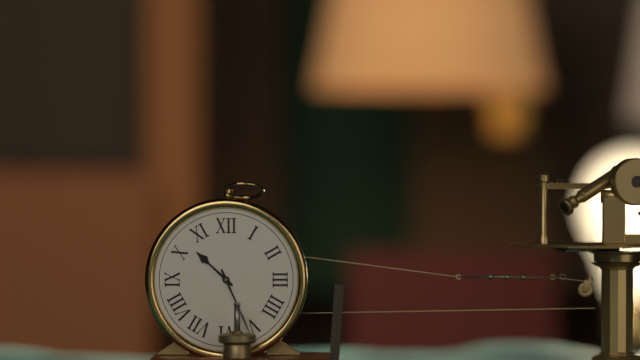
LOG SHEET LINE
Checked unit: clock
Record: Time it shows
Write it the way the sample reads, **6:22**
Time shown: **10:26**
